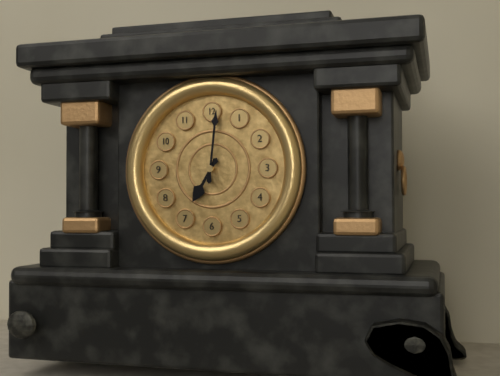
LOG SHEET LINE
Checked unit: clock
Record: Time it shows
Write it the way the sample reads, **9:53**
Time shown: **7:01**
